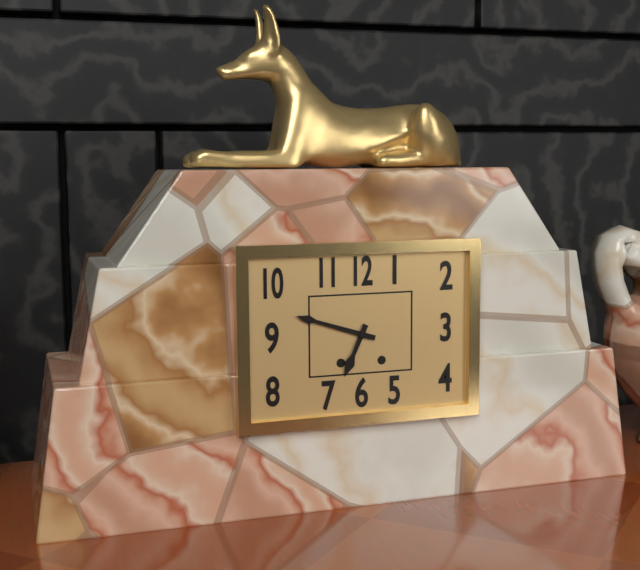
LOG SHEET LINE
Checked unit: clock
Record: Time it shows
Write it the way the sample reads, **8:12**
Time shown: **6:48**
